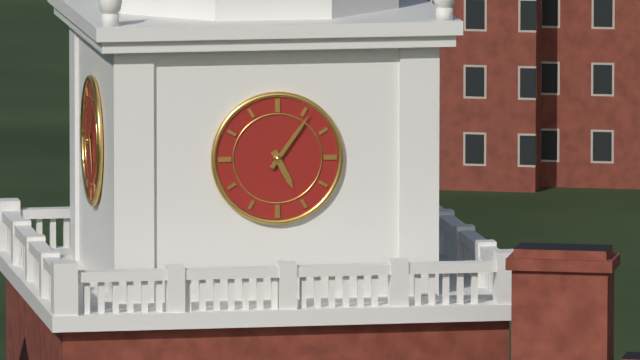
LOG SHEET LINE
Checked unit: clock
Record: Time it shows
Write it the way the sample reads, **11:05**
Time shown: **5:06**
